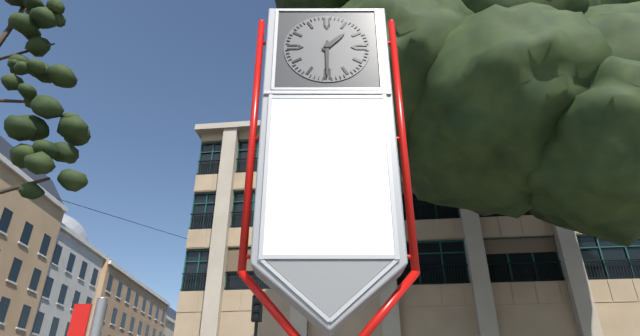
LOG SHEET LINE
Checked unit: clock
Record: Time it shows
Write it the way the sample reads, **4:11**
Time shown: **1:30**
